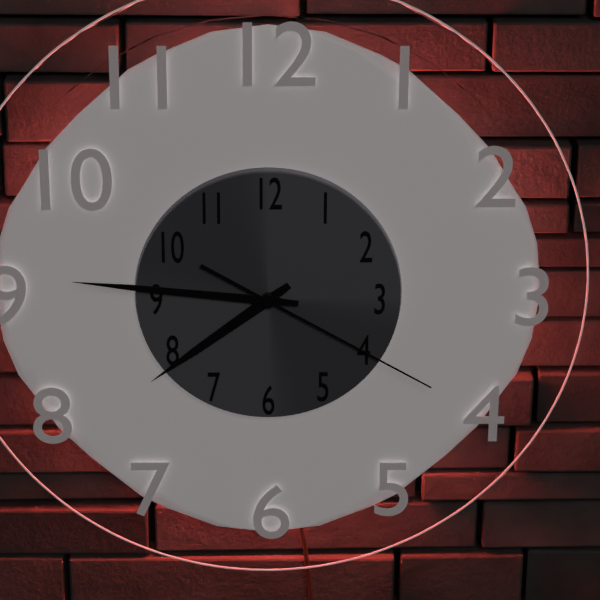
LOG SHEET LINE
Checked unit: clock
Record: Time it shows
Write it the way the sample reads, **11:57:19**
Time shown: **7:46:20**
